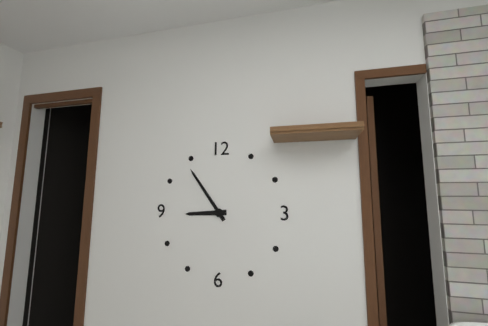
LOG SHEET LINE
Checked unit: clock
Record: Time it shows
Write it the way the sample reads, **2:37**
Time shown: **8:54**
